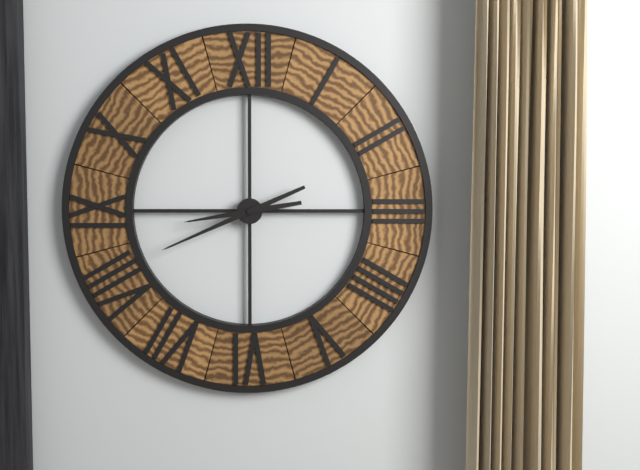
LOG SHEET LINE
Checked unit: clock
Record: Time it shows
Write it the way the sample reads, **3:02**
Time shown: **8:41**
